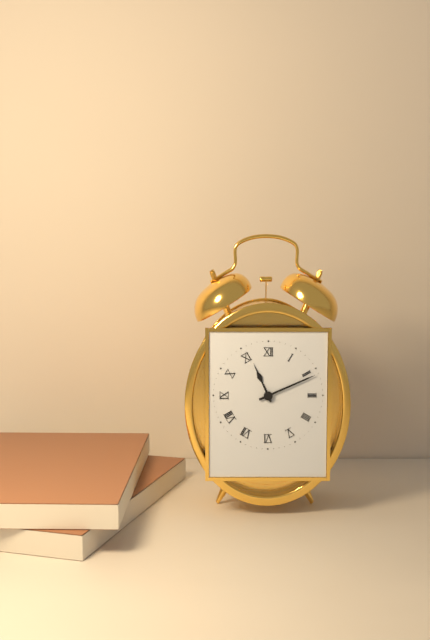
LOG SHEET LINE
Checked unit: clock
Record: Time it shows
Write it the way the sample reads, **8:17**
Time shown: **11:11**
